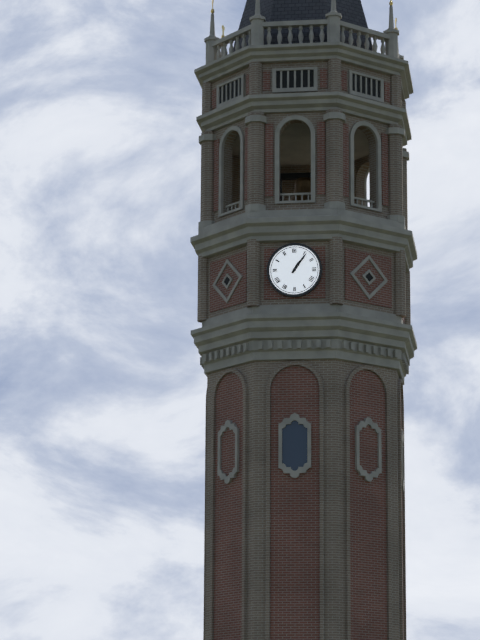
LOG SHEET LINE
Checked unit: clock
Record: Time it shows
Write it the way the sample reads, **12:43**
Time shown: **1:06**
